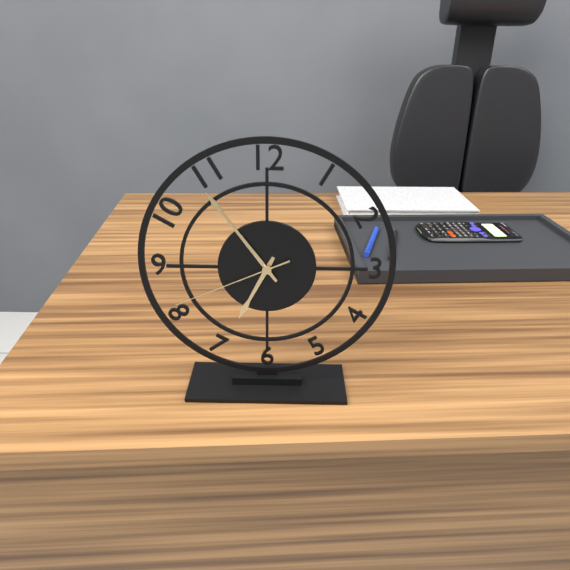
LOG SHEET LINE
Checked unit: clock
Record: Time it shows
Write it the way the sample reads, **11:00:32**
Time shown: **6:54:41**
